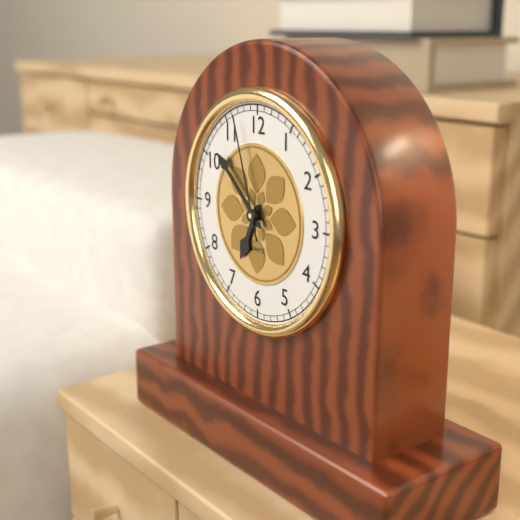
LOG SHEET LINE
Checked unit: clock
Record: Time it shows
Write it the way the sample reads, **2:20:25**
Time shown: **6:52:57**
